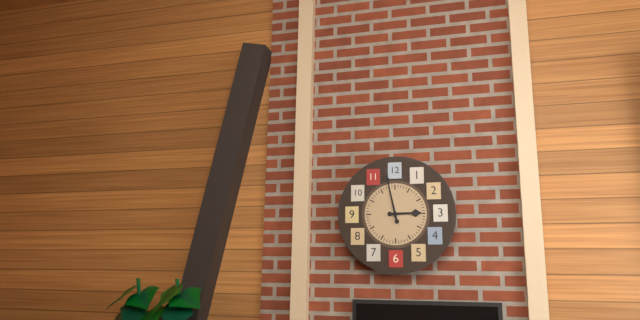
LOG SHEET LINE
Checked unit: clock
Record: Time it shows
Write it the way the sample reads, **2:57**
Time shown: **2:58**
